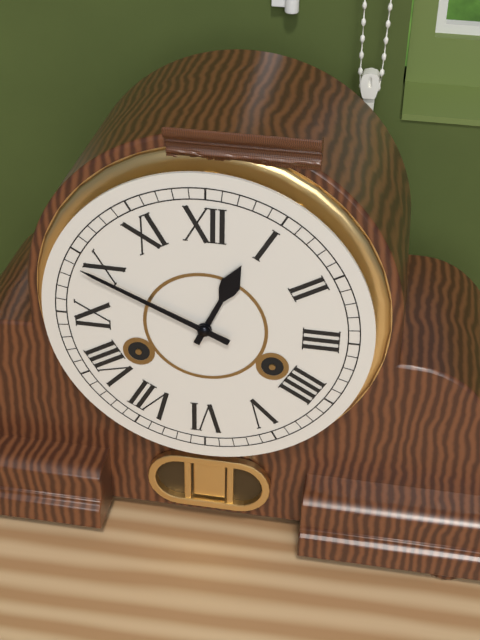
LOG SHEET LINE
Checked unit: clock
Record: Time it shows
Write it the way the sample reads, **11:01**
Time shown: **12:49**
